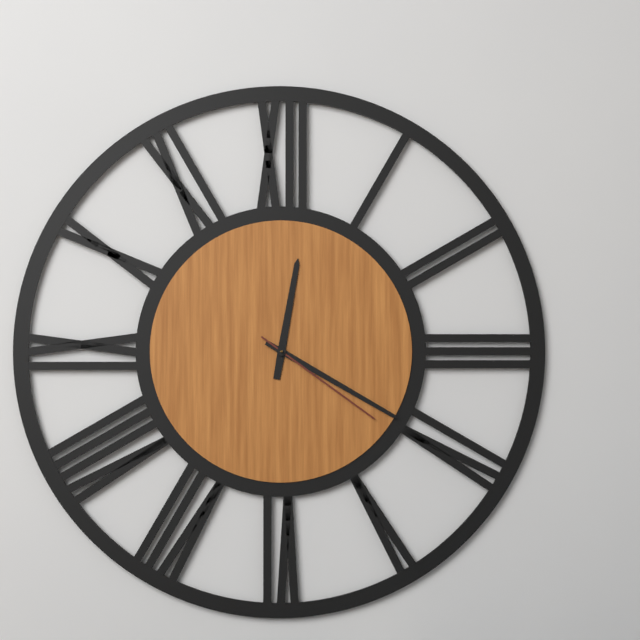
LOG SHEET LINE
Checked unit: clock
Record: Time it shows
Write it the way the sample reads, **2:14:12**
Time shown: **12:20:21**
